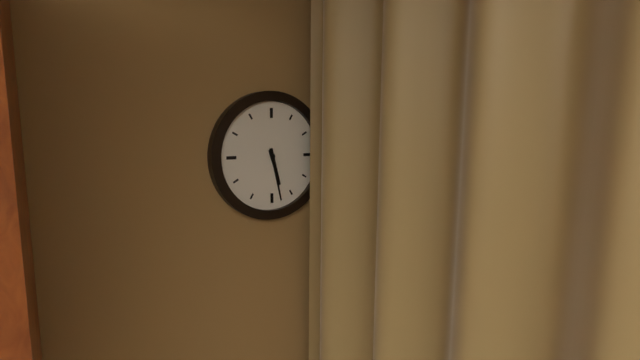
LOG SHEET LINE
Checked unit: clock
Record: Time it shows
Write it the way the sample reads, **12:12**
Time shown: **5:28**
